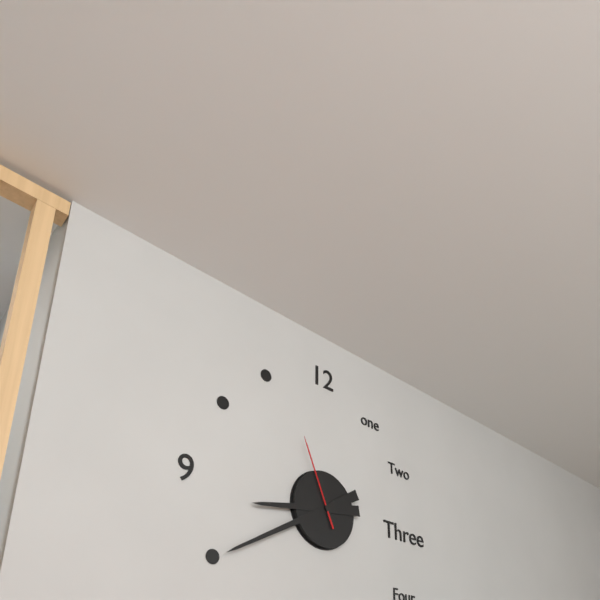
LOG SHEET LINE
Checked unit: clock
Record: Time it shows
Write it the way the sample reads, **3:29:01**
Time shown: **8:40:56**
